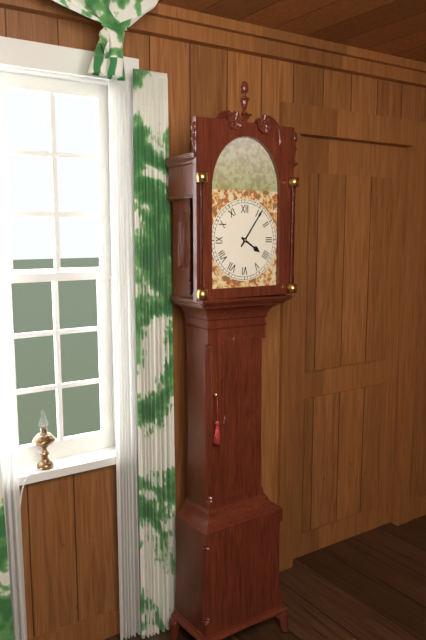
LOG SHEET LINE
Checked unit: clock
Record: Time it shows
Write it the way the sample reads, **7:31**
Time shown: **4:06**
